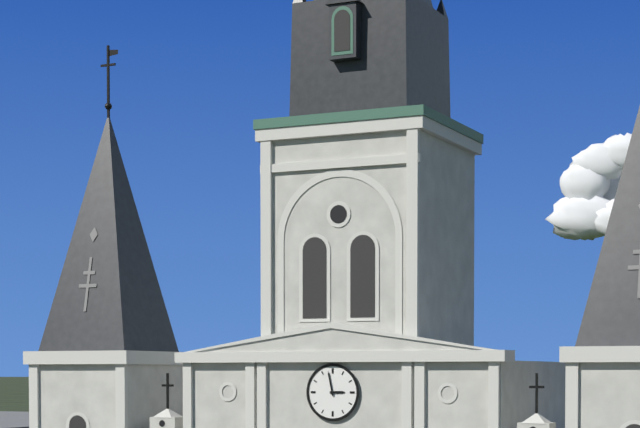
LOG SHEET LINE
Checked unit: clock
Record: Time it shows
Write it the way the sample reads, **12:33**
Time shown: **2:58**
